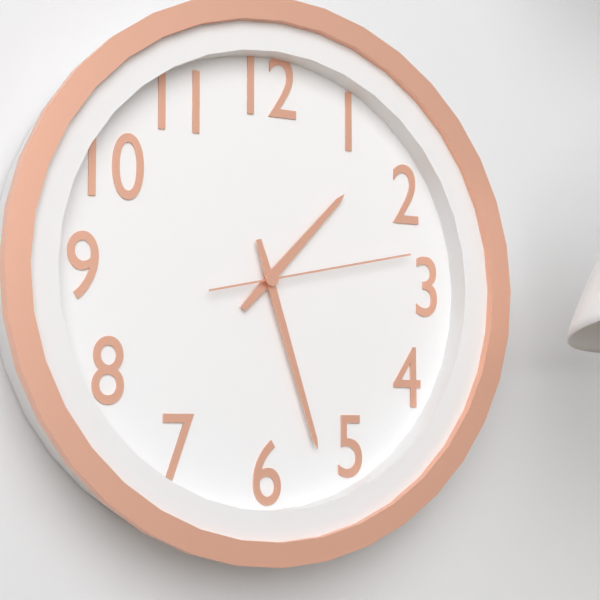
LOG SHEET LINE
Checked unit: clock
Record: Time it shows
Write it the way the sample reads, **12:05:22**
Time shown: **1:27:13**
